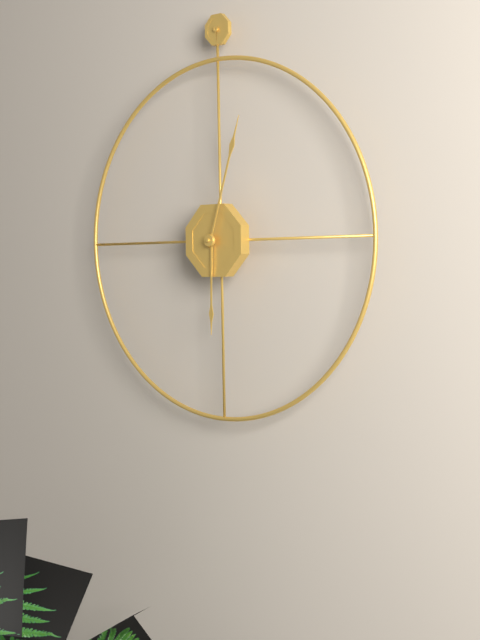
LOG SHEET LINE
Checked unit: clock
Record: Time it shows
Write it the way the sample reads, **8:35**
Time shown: **6:03**
